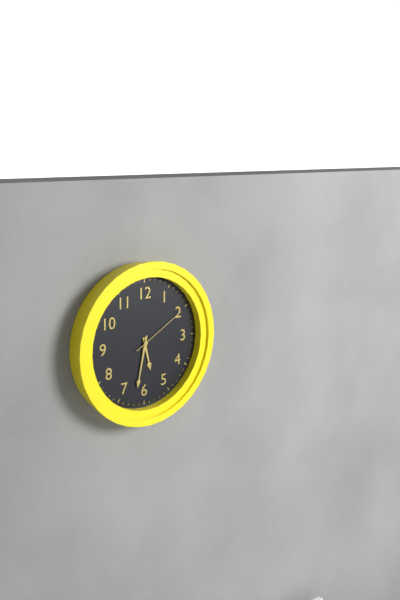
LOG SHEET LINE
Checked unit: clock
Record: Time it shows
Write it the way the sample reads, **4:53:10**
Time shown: **5:32:10**
